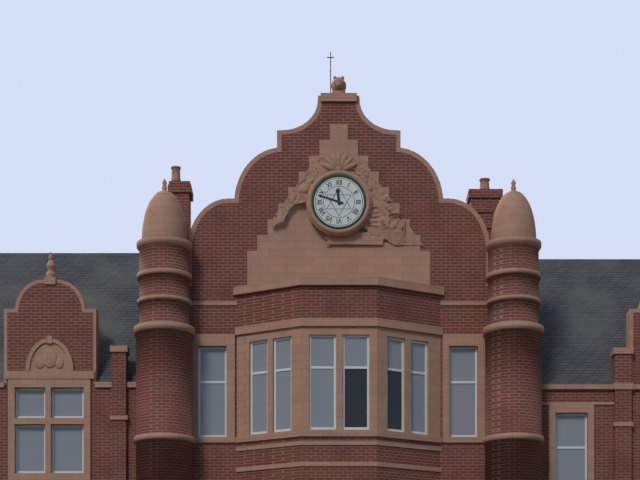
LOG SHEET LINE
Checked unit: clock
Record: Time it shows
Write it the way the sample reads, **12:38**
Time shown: **11:48**
